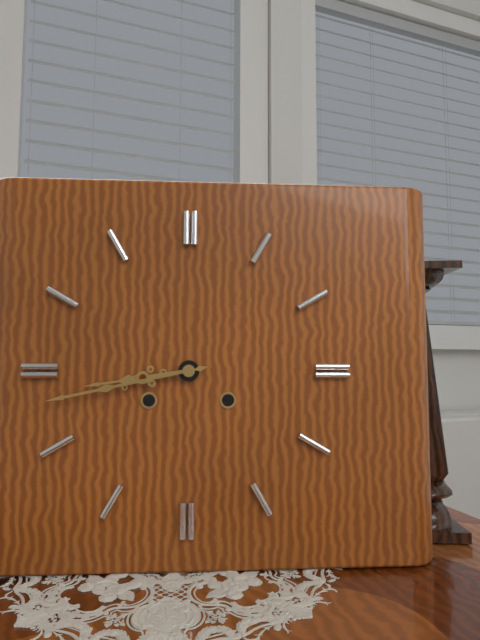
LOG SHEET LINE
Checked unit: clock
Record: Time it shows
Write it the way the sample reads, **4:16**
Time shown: **8:43**
